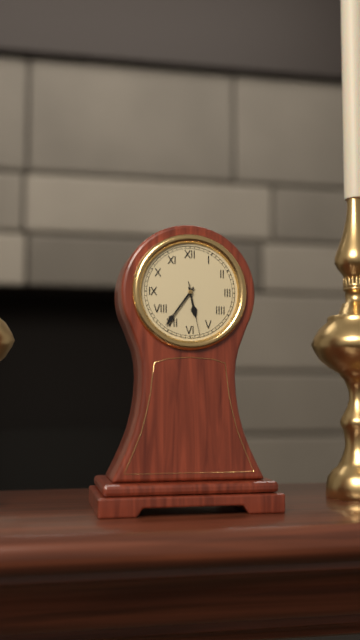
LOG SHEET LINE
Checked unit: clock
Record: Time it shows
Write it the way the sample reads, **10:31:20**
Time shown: **5:36:28**
